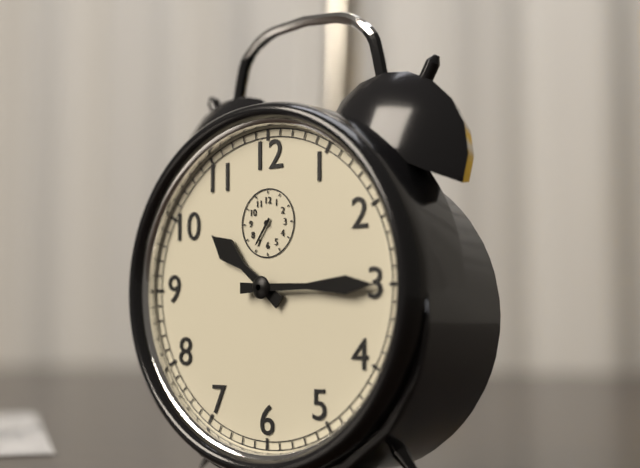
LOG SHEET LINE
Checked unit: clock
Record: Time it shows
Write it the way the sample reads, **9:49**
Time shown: **10:15**
